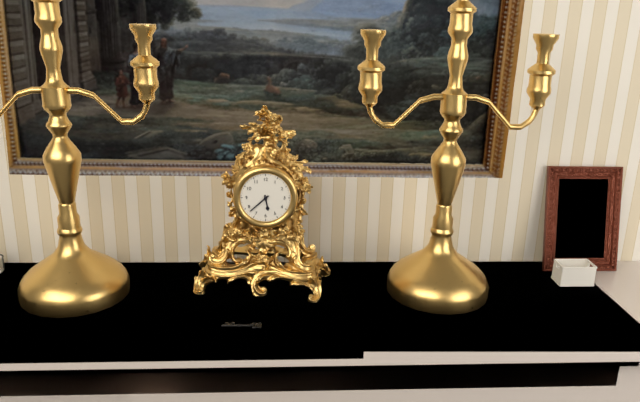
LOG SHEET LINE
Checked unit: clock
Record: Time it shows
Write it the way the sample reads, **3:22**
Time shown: **5:38**
